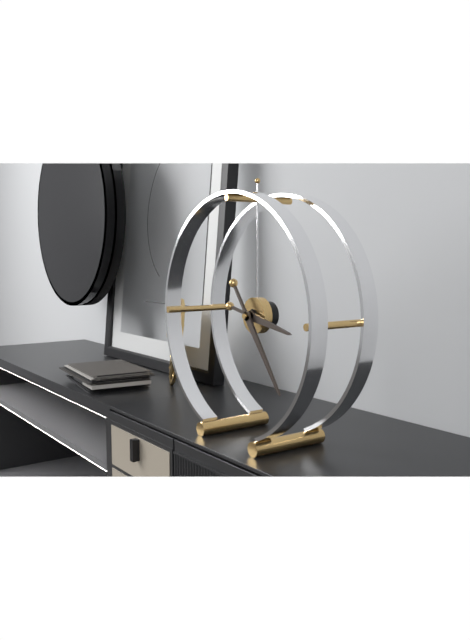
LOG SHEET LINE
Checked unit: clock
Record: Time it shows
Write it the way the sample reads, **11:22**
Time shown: **3:24**
